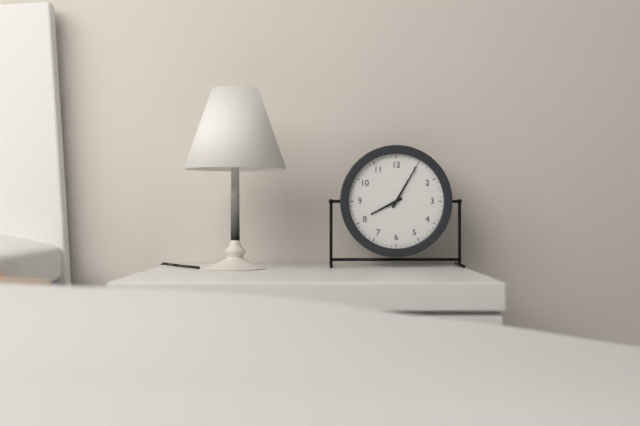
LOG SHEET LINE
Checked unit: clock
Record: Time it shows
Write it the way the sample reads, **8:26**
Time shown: **8:05**
